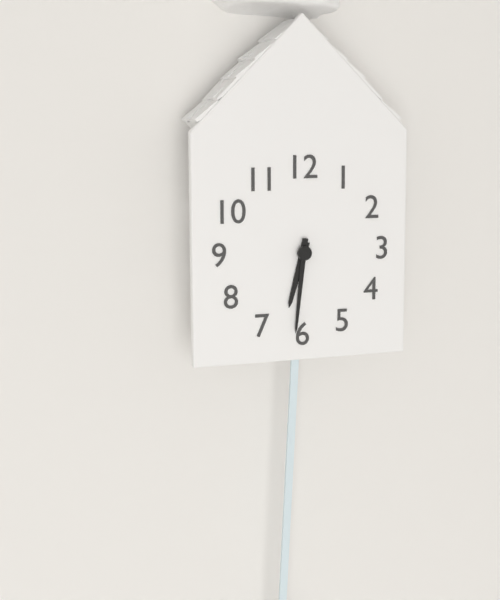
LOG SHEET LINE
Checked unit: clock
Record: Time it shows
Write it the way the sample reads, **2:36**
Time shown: **6:31**
